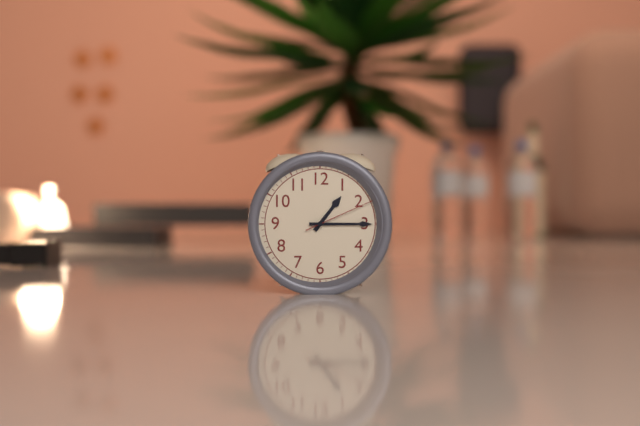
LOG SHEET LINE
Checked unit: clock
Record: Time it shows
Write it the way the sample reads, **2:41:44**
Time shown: **1:15:11**
